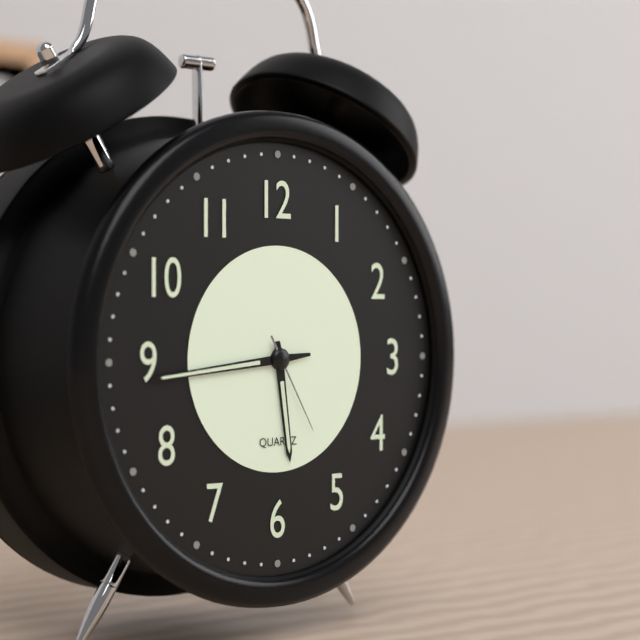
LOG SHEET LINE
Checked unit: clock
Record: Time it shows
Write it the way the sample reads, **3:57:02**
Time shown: **5:44:25**
